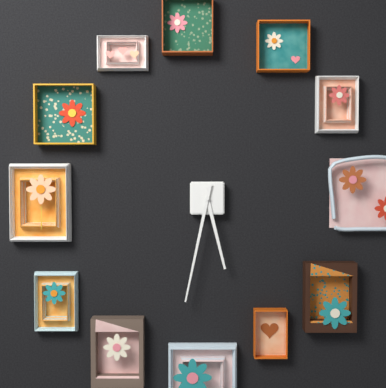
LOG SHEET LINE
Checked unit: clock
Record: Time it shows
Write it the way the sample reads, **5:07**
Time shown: **5:32**
